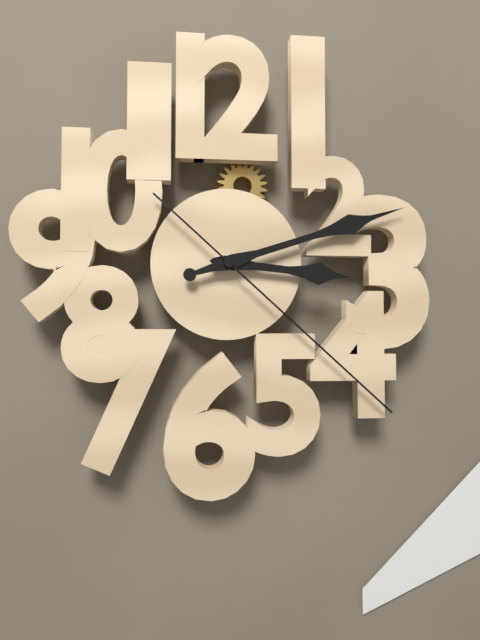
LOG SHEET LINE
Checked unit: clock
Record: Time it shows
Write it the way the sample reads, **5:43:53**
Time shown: **3:12:22**
